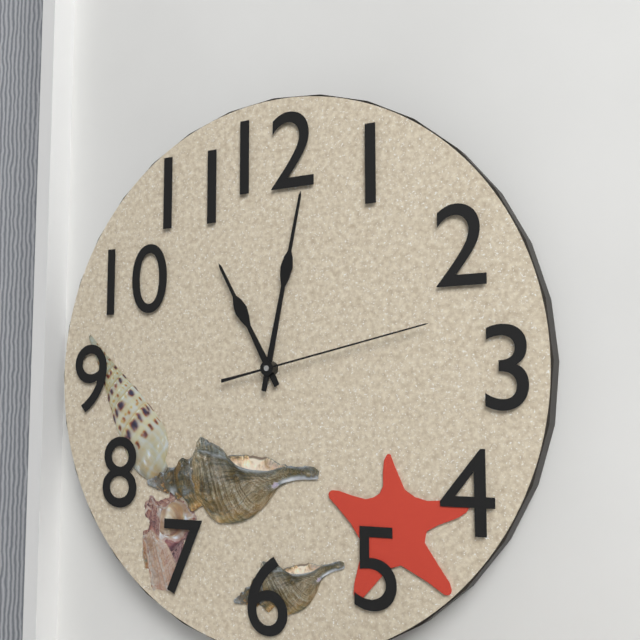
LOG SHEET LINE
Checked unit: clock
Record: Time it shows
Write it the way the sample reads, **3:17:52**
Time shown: **11:02:13**
